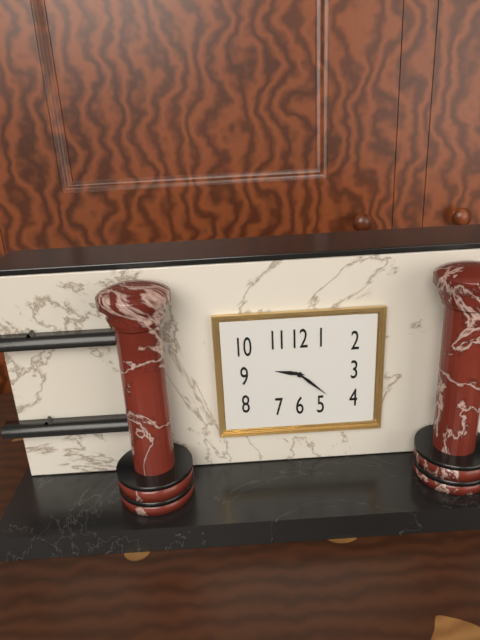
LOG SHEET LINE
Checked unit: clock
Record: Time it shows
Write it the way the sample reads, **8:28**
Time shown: **9:22**
